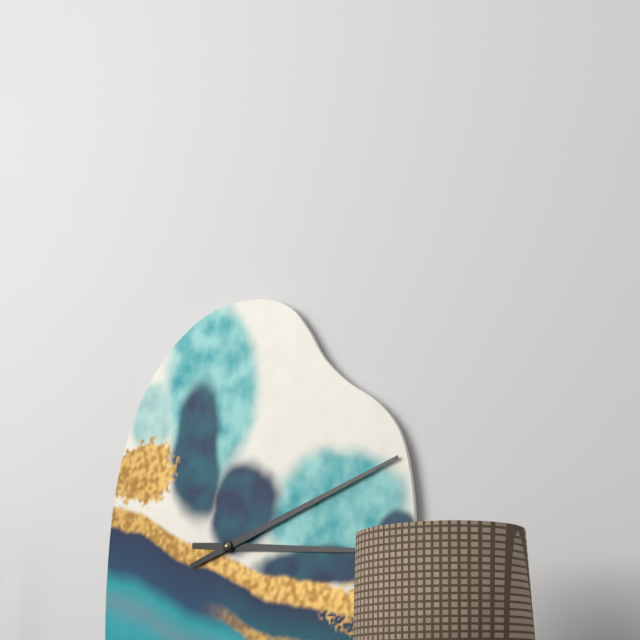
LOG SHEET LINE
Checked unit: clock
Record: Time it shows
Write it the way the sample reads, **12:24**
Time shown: **3:12**
